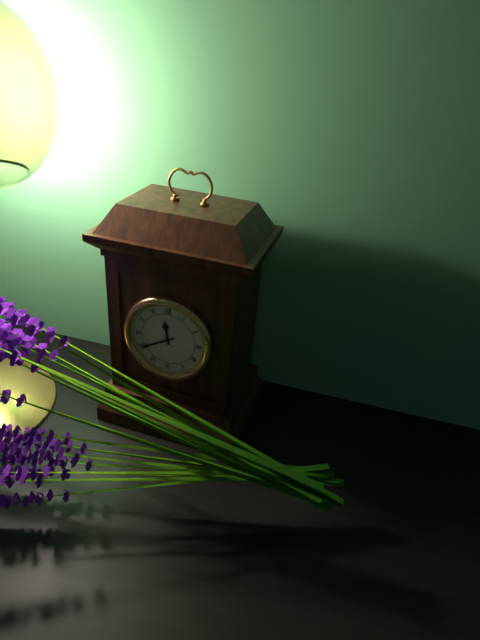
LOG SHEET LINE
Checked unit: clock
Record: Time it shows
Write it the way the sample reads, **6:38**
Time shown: **11:40**
